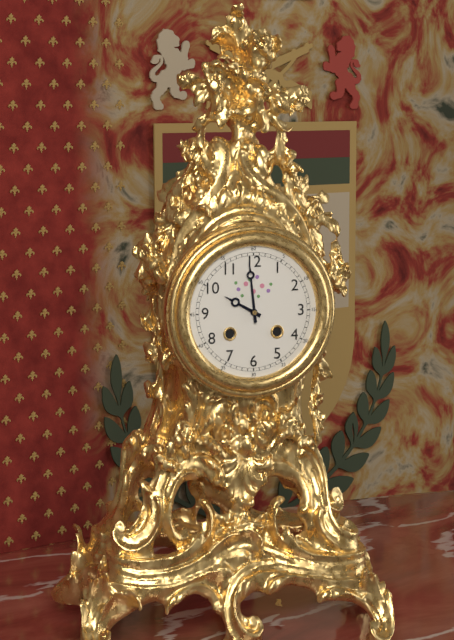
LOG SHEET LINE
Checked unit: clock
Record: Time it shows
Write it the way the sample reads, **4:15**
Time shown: **9:59**
